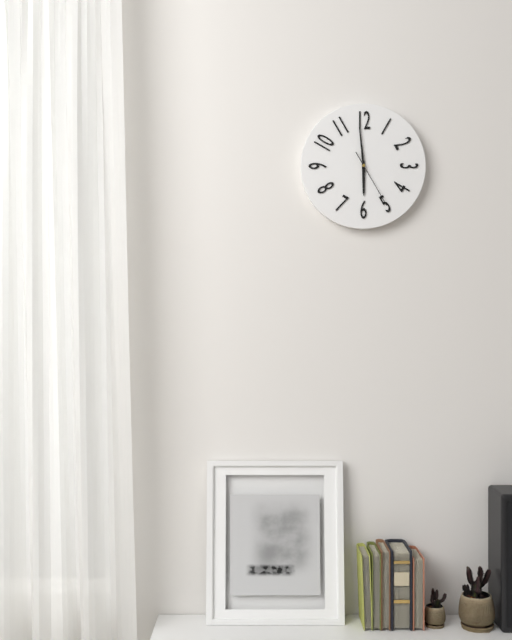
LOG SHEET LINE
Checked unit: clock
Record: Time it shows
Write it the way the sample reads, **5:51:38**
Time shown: **5:59:25**
